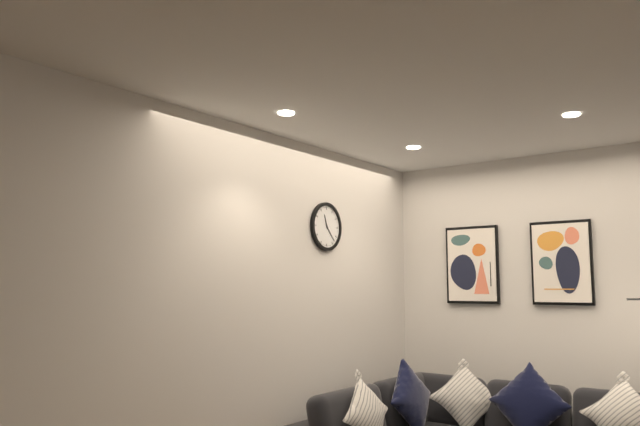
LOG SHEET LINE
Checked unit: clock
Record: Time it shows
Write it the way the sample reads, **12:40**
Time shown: **11:23**
